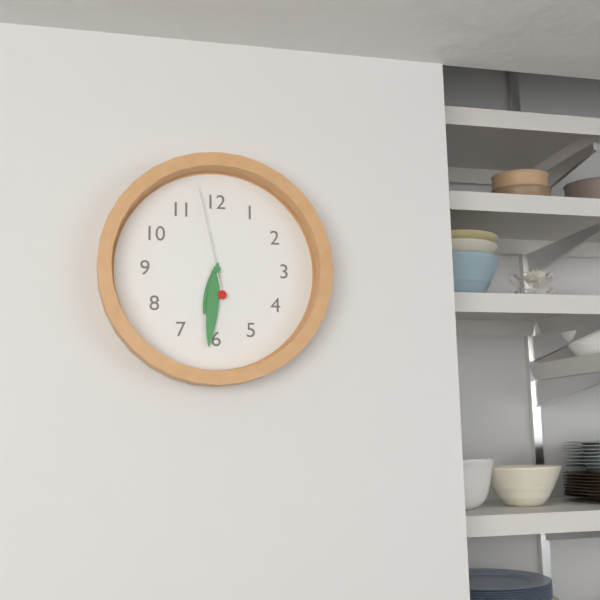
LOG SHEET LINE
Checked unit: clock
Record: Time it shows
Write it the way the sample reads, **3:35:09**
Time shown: **6:31:58**
